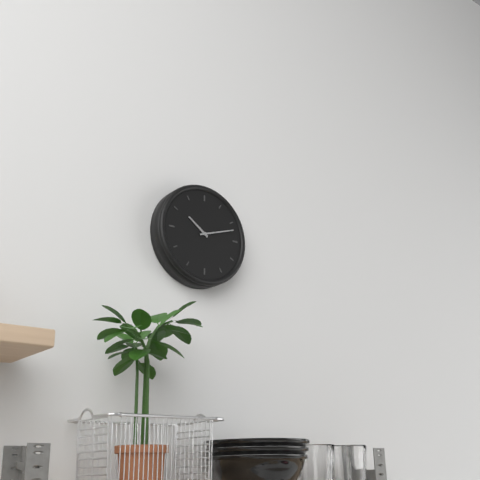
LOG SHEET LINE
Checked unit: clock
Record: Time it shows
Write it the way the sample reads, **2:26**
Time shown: **10:12**
